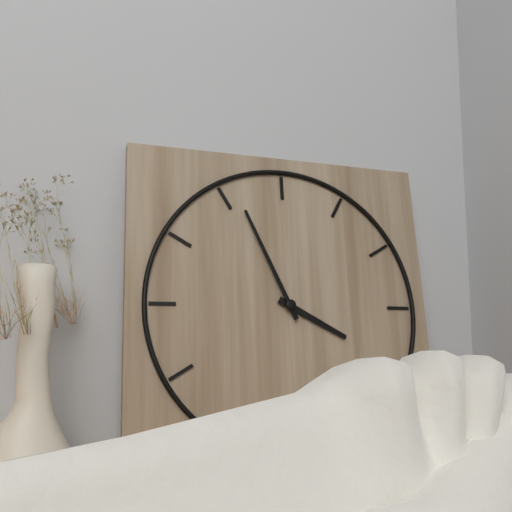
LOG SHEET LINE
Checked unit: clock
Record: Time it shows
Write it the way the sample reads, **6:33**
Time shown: **3:56**
